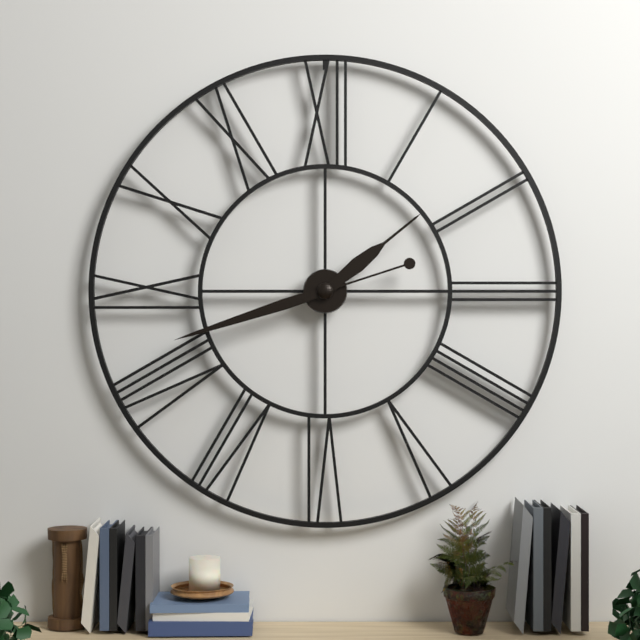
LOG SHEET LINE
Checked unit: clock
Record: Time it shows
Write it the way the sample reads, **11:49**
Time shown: **1:42**
